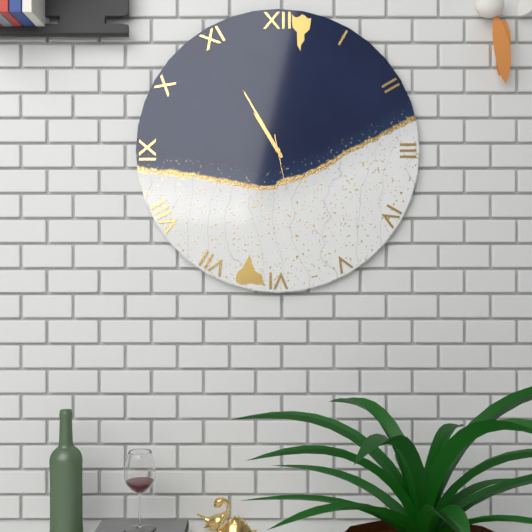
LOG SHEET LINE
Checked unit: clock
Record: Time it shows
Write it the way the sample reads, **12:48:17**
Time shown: **10:55:28**
